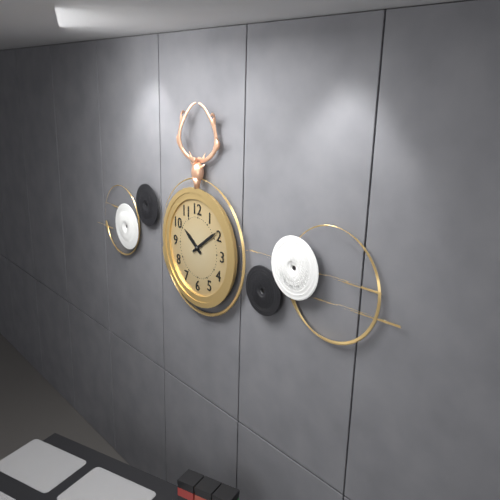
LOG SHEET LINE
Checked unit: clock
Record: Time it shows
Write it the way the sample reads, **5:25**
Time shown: **10:09**
